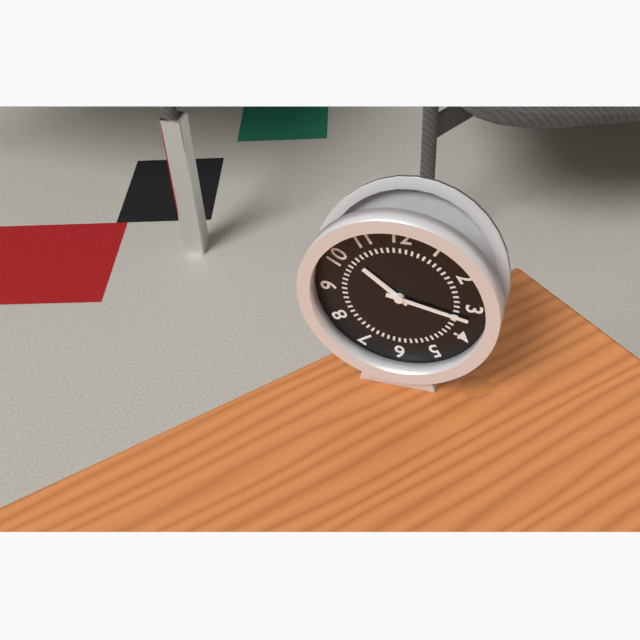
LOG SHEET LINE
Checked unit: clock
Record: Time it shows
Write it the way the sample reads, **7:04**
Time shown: **10:17**
